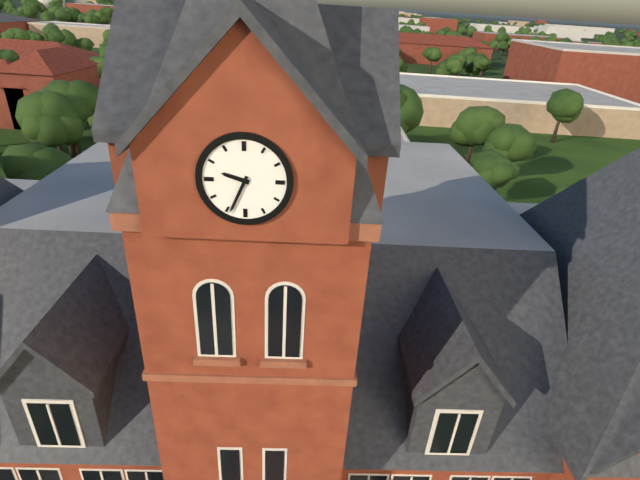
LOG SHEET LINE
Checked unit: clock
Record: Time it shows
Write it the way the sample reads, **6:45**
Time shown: **9:34**
